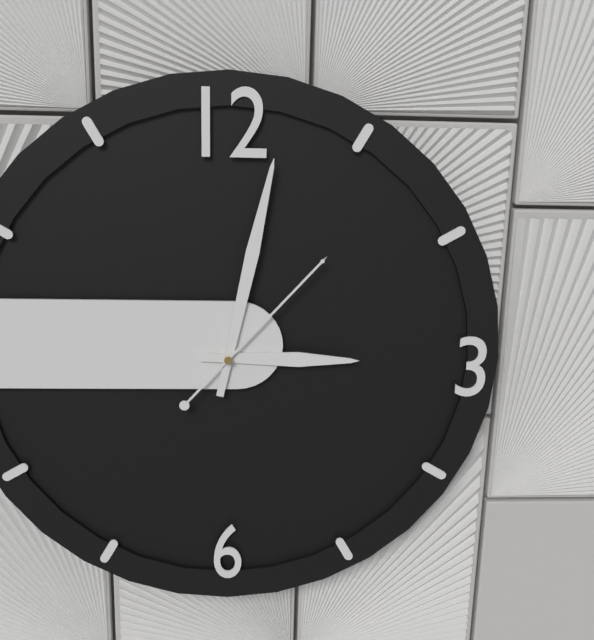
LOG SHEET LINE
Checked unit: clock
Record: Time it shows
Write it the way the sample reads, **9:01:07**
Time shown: **3:02:07**
